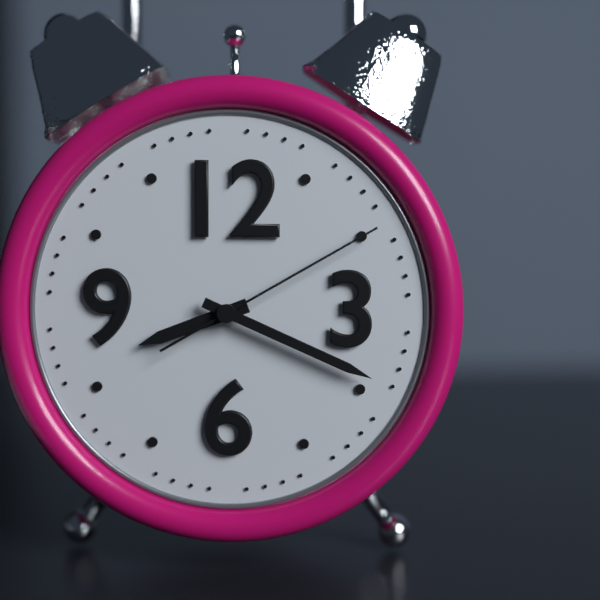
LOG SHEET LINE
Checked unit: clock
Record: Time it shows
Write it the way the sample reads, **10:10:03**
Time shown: **8:19:10**
